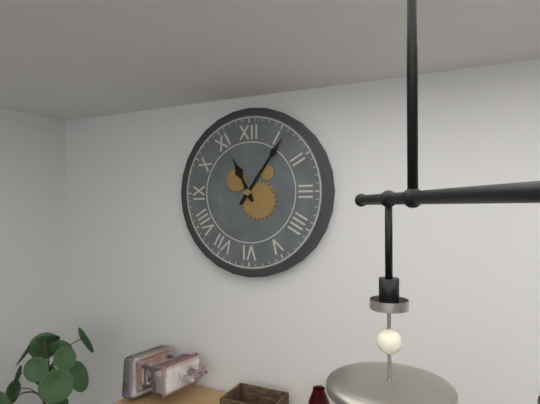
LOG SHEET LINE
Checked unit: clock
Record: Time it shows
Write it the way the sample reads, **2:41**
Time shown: **11:06**
